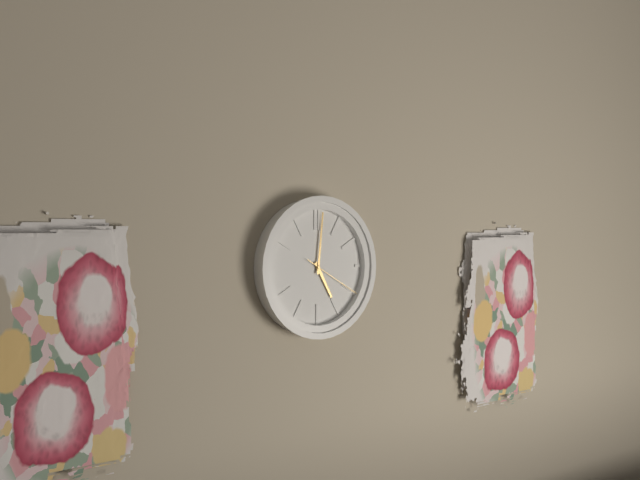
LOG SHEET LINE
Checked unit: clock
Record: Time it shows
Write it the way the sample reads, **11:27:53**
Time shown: **5:01:20**
